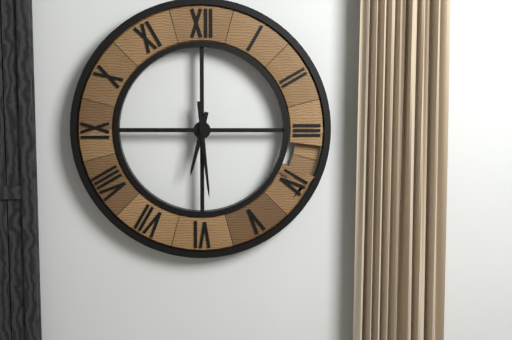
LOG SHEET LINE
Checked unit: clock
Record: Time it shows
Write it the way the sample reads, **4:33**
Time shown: **6:29**
